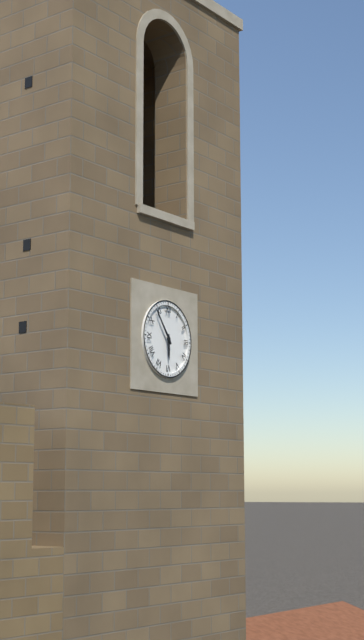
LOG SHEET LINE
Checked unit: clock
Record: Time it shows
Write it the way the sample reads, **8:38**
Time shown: **5:54**
